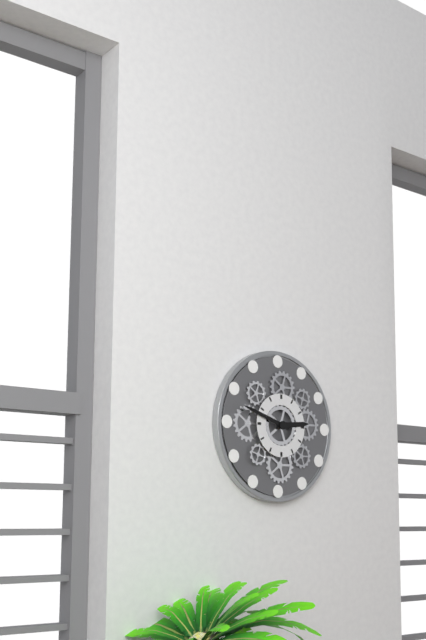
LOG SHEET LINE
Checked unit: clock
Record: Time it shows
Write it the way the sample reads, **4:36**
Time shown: **2:48**
